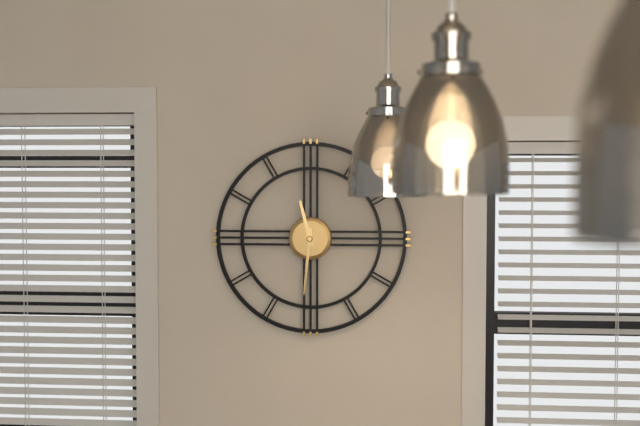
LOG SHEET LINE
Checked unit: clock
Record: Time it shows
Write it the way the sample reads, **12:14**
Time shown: **11:31**
